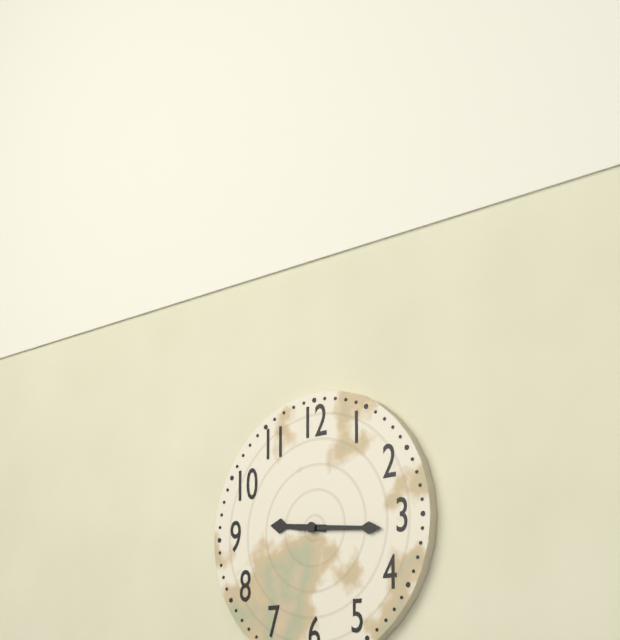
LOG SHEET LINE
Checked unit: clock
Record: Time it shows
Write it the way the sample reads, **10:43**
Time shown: **9:16**
